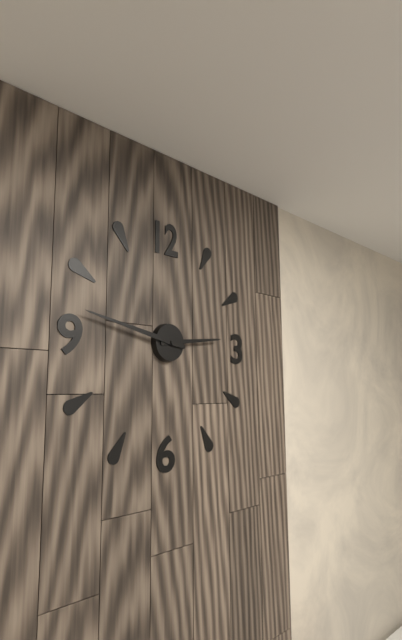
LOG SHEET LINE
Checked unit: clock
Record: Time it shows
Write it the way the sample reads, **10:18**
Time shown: **2:47**
